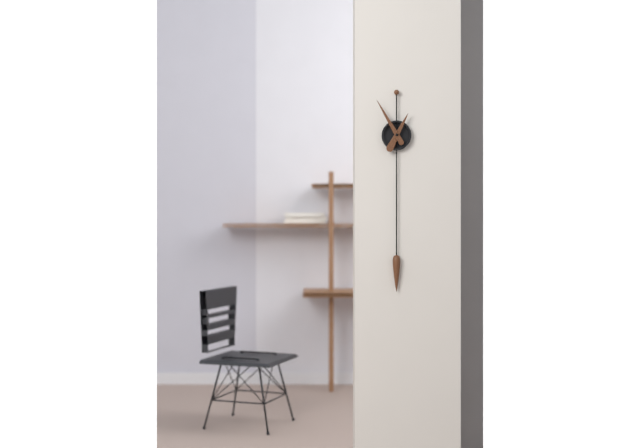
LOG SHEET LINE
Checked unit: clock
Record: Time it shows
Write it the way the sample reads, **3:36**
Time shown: **12:55**
